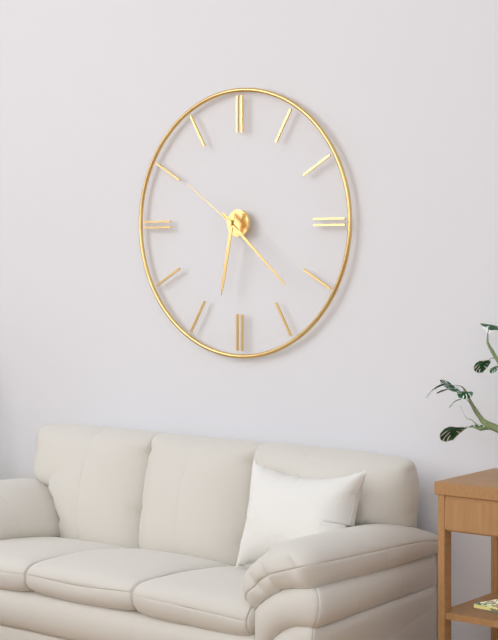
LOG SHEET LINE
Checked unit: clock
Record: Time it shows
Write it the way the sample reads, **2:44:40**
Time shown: **6:22:51**
